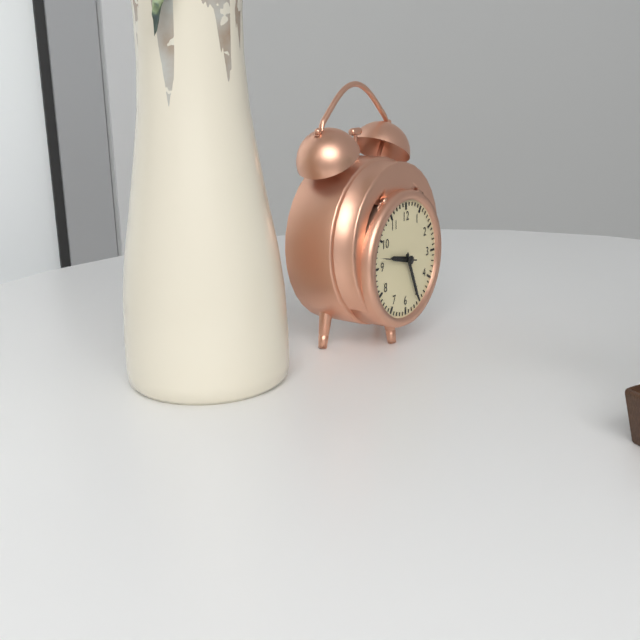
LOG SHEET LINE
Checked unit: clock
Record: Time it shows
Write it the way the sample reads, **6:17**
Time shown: **9:26**
